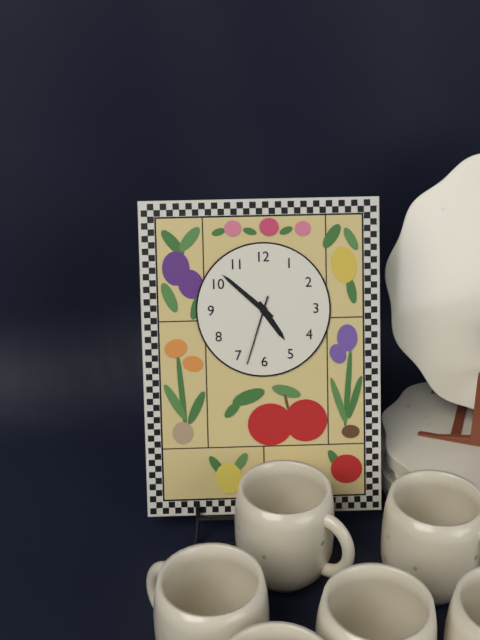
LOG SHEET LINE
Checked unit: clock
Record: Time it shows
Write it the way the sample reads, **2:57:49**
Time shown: **4:52:33**
